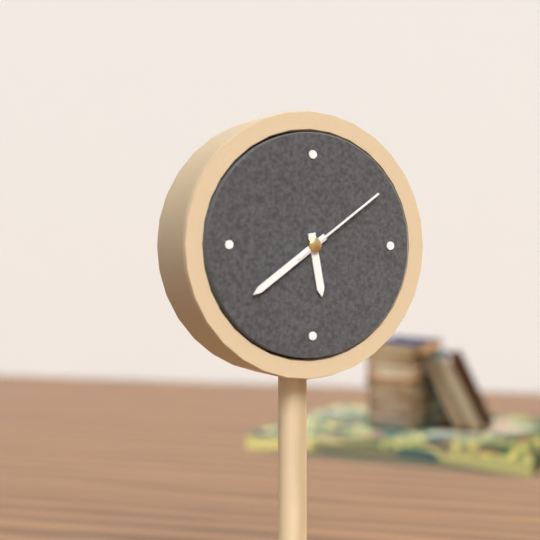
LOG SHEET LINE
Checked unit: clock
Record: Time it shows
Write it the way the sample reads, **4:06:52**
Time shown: **5:39:09**
